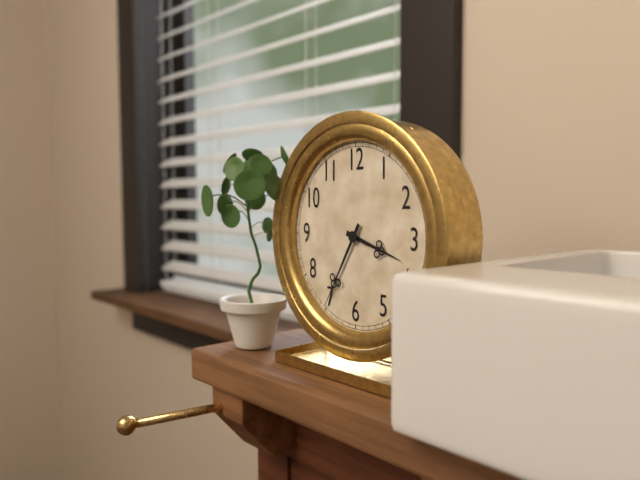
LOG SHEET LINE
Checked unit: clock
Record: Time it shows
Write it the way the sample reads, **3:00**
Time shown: **3:35**
